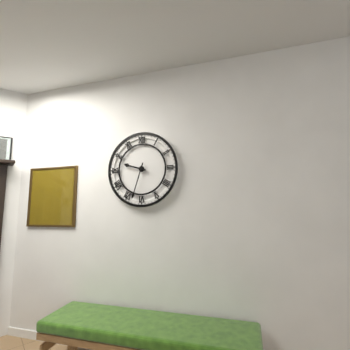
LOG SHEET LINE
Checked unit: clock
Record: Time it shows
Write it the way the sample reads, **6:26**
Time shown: **9:33**
